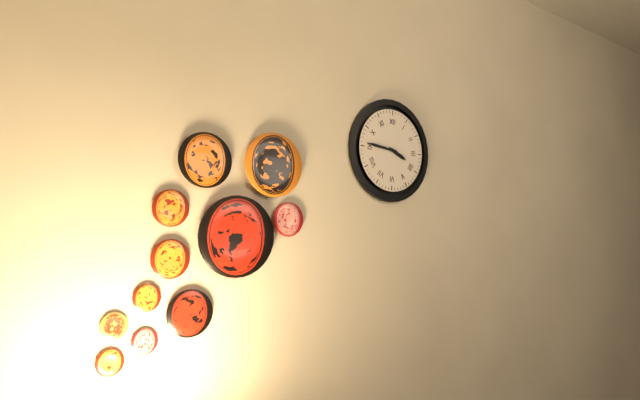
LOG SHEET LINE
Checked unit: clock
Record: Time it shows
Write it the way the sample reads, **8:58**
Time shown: **3:46**
